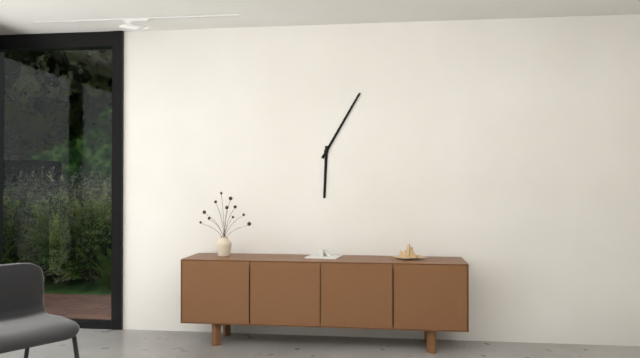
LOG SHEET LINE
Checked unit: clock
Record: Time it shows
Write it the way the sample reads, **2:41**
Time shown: **6:05**
